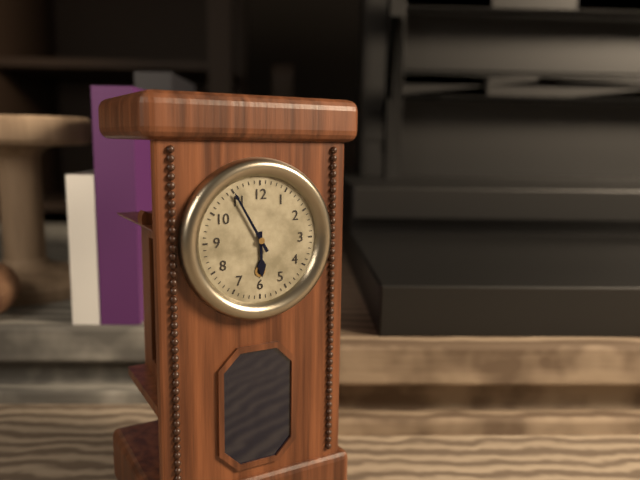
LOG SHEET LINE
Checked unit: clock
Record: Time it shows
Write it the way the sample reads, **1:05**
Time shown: **5:55**
